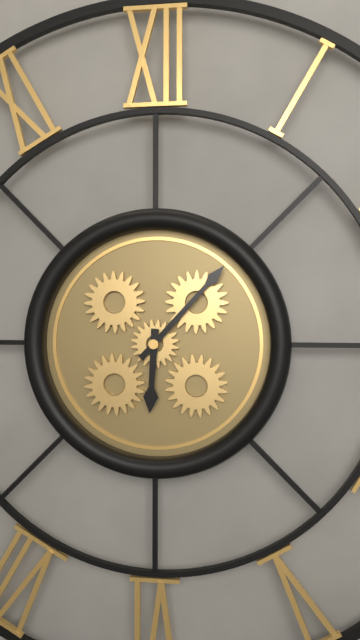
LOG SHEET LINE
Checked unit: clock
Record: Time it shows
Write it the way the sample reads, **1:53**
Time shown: **6:07**
